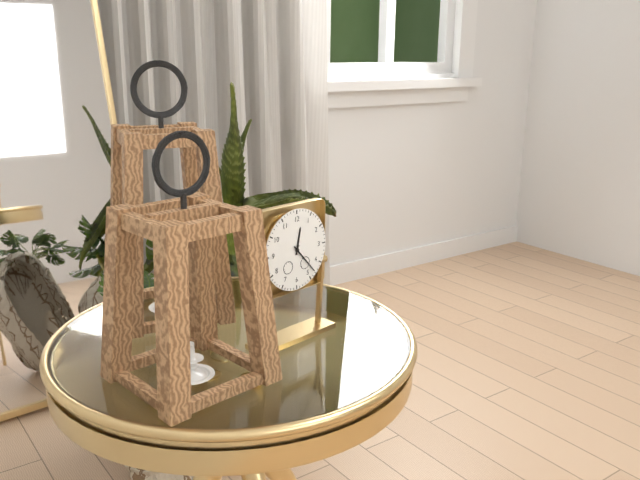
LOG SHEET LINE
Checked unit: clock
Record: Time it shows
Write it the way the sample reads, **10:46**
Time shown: **12:23**
